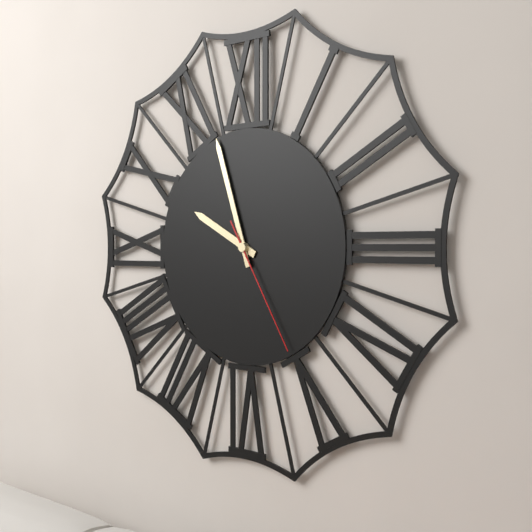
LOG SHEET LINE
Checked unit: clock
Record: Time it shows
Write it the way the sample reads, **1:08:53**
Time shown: **9:57:25**
